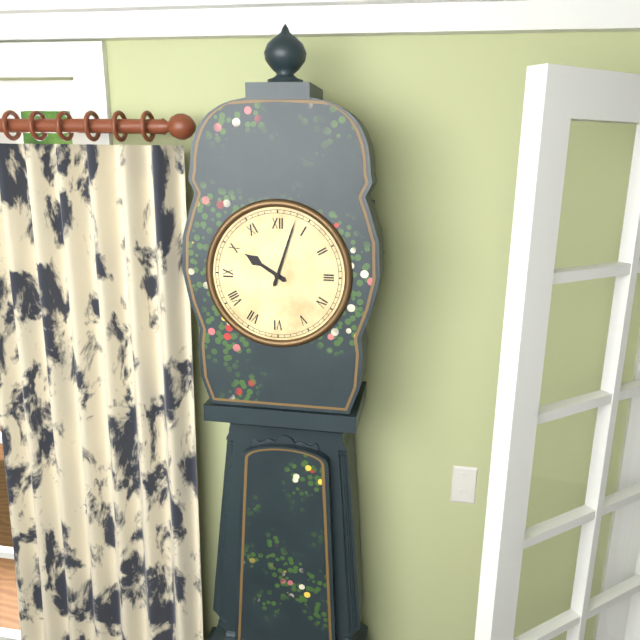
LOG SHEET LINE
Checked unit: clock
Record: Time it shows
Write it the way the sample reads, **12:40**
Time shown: **10:03**
